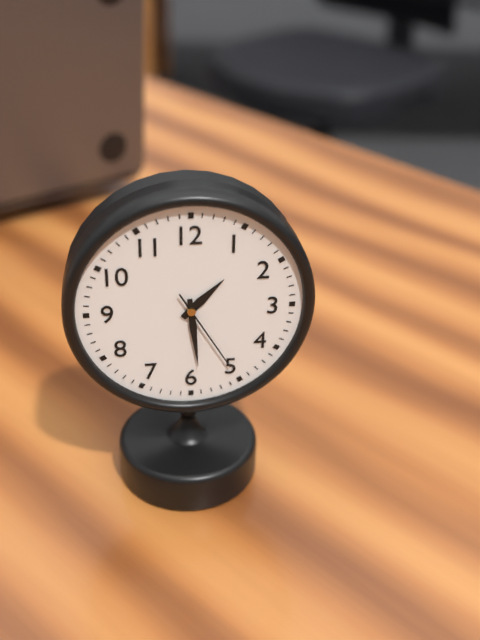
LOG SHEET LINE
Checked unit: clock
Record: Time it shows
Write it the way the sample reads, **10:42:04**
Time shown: **1:29:25**
